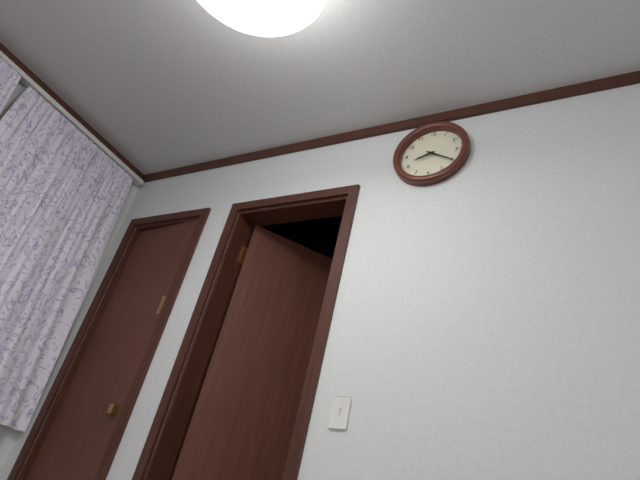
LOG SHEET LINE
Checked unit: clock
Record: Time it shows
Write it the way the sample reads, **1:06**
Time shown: **8:20**
